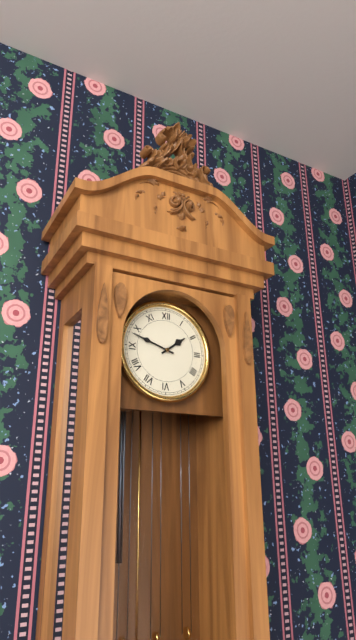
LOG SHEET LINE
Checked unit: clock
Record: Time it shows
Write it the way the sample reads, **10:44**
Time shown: **1:48**
